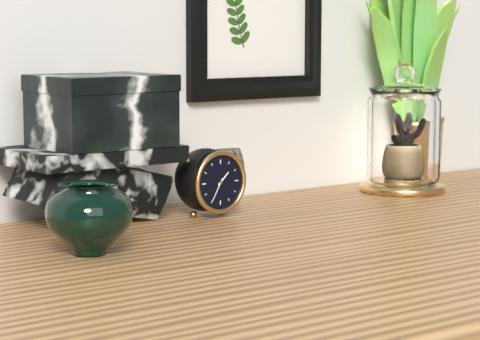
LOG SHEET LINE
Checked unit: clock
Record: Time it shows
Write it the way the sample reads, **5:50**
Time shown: **1:35**
